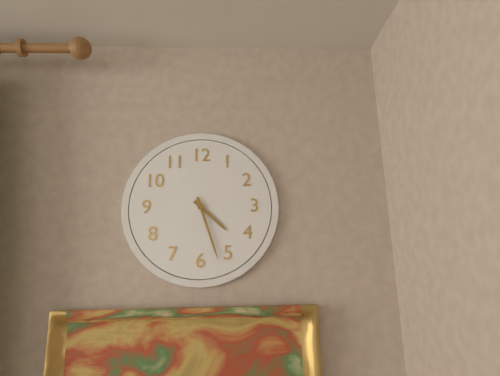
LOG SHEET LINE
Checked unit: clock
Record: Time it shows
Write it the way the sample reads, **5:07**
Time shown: **4:27**
